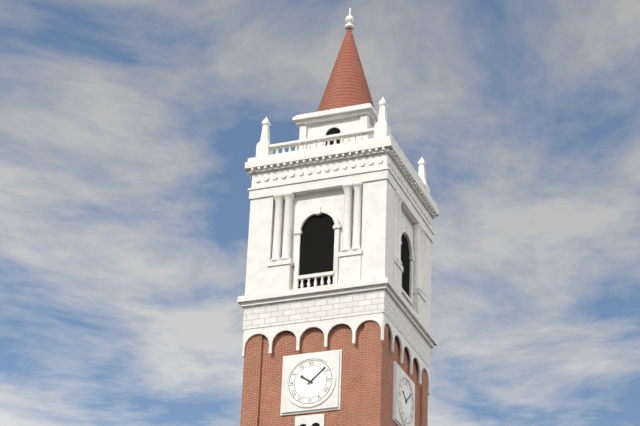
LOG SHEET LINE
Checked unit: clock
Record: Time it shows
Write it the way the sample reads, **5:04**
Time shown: **10:08**
